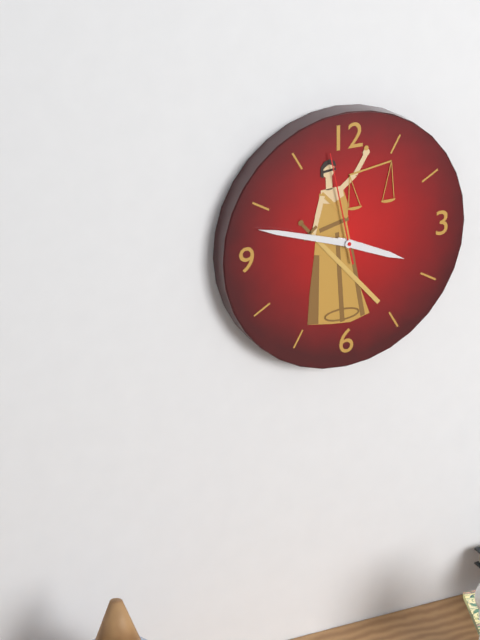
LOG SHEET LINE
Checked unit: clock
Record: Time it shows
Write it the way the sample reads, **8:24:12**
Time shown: **3:48:58**
